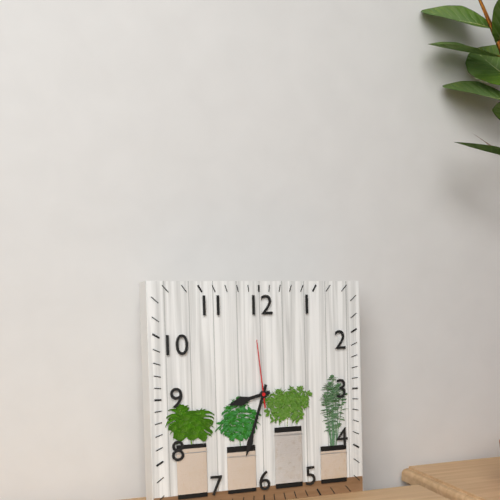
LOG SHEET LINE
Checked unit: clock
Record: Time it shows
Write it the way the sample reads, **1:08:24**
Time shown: **8:33:59**
